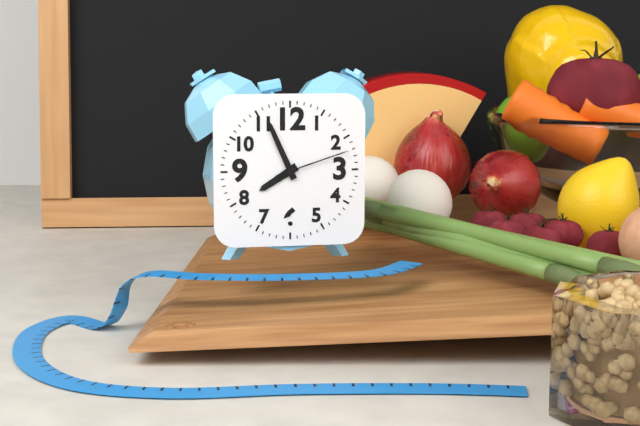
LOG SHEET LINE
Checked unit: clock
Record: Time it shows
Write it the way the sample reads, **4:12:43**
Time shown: **7:56:12**
